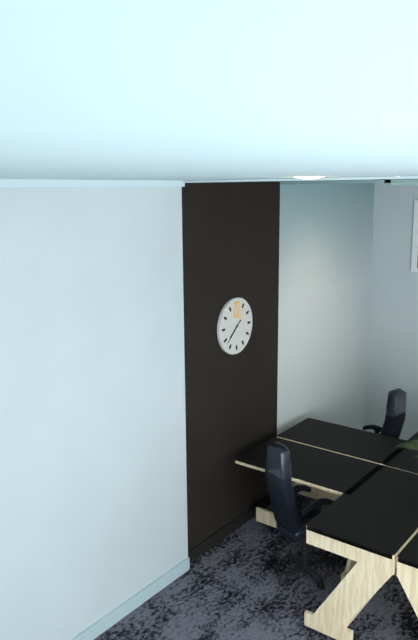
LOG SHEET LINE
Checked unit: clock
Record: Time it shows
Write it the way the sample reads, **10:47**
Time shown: **7:38**
